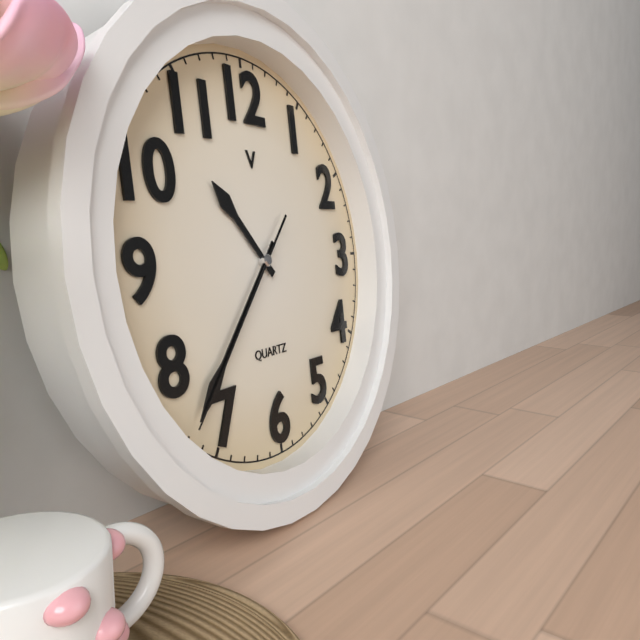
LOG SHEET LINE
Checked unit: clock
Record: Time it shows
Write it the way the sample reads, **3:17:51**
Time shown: **10:37:37**
